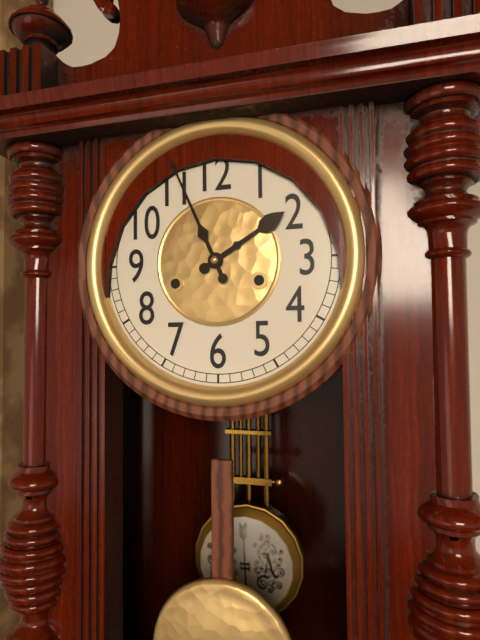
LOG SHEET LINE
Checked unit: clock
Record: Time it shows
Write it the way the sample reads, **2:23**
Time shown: **1:56**
